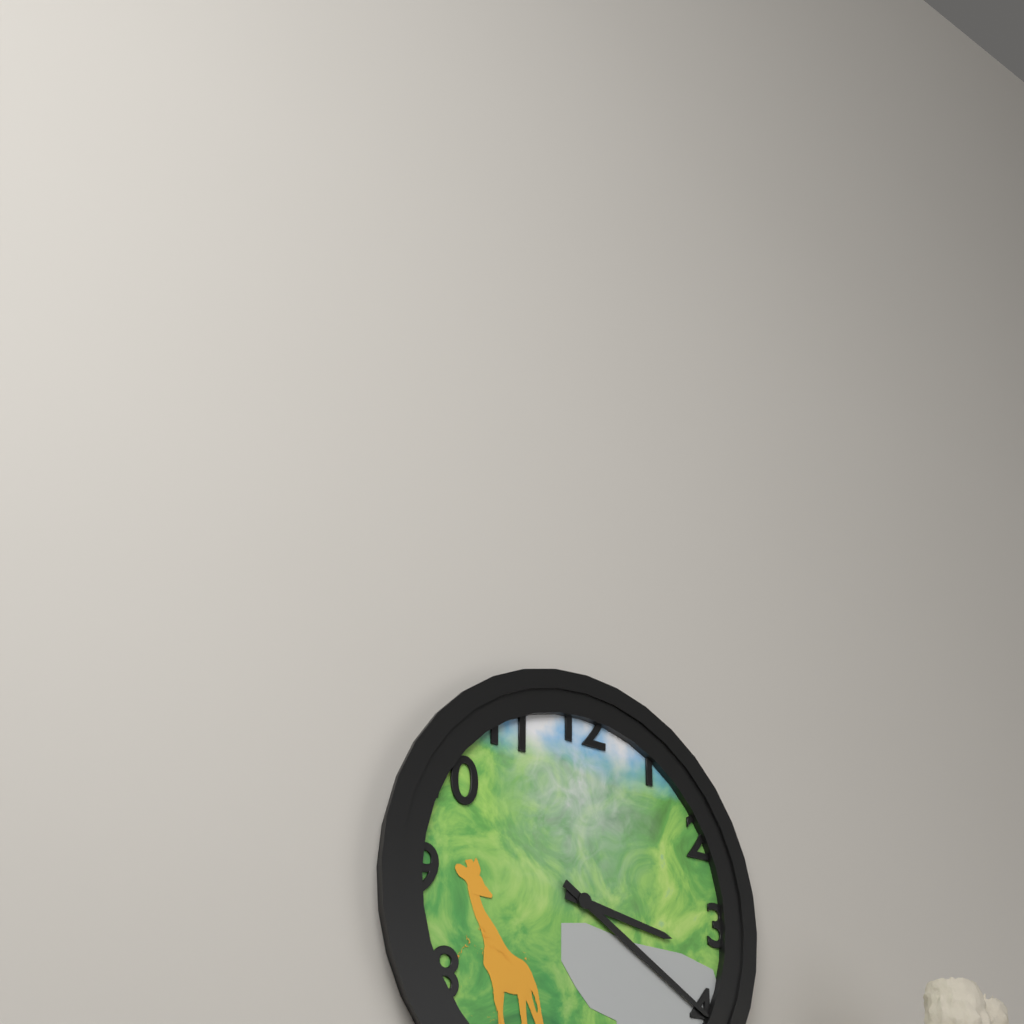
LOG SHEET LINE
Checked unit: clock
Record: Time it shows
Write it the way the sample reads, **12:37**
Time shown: **3:20**
